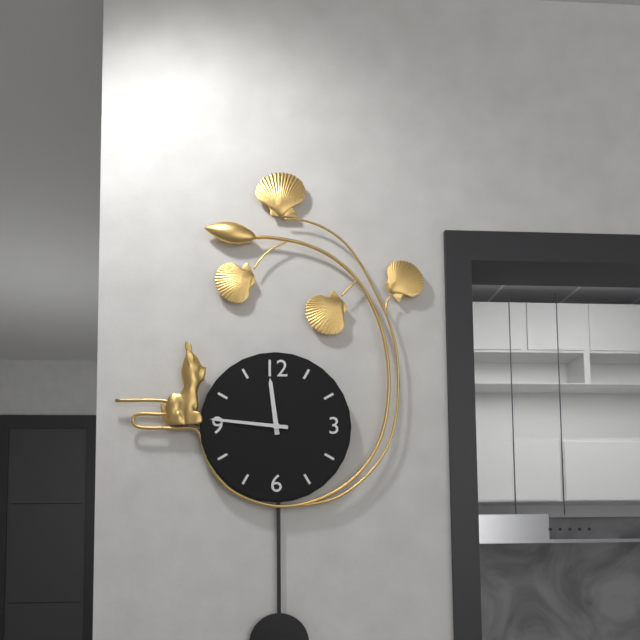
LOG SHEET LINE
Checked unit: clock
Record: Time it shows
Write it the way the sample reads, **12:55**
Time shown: **11:46**
